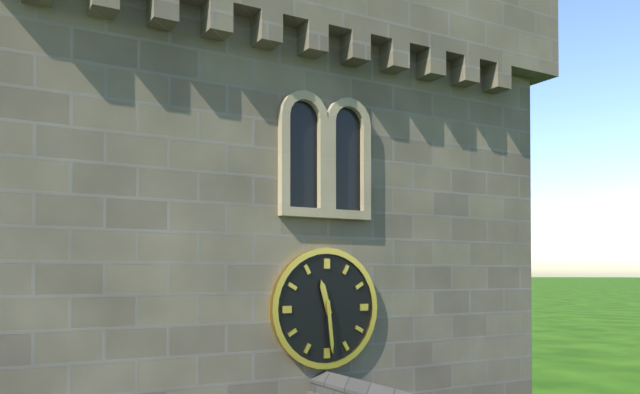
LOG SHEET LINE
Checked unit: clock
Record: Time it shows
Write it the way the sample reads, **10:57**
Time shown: **11:29**
